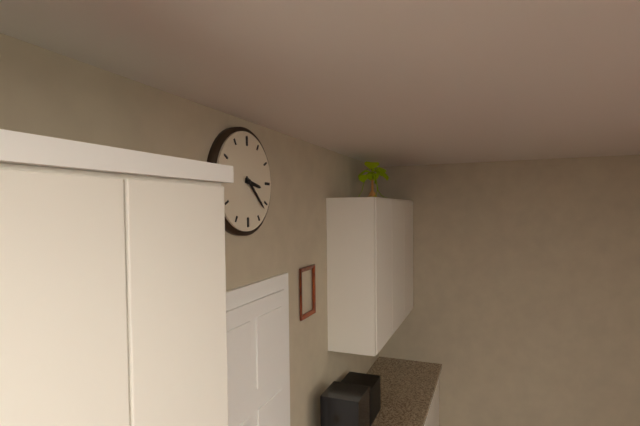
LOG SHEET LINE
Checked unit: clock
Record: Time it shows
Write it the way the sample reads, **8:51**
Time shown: **3:22**
